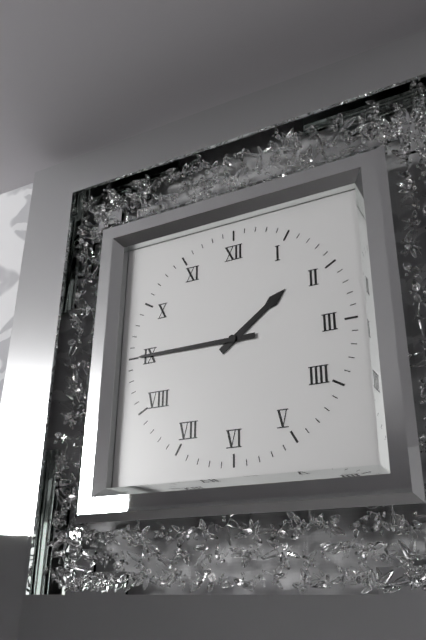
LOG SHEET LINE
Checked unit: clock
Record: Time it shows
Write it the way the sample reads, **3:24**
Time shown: **1:45**
